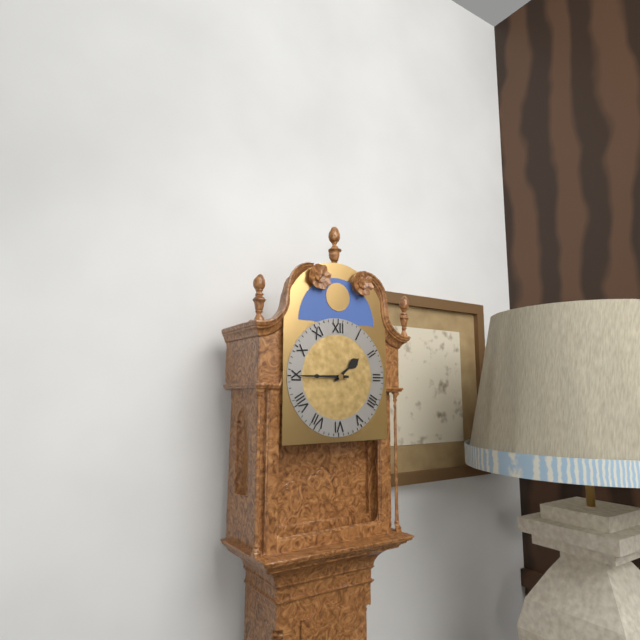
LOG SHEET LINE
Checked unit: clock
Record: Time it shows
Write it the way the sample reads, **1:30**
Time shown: **1:45**
